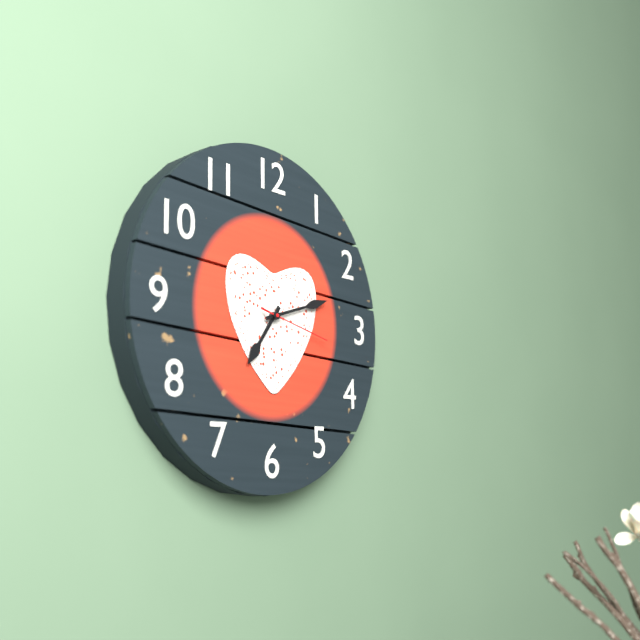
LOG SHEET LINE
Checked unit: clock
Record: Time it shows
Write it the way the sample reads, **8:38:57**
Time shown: **7:12:17**
